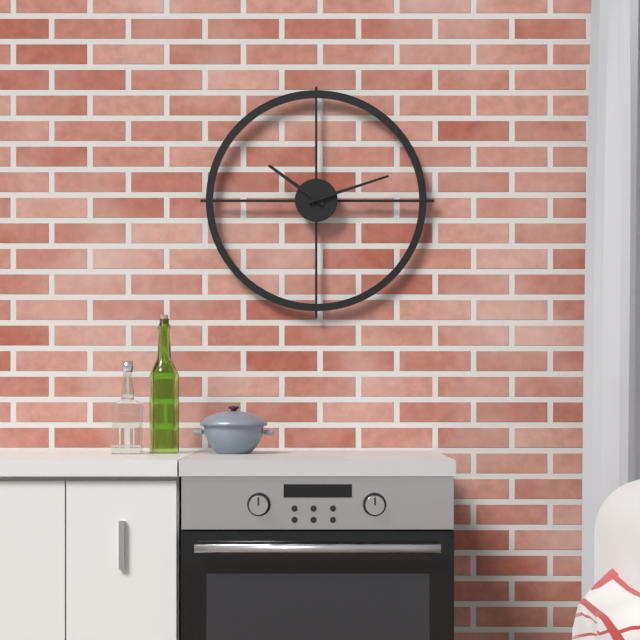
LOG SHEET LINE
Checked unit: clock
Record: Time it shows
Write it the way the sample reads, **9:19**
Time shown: **10:12**
